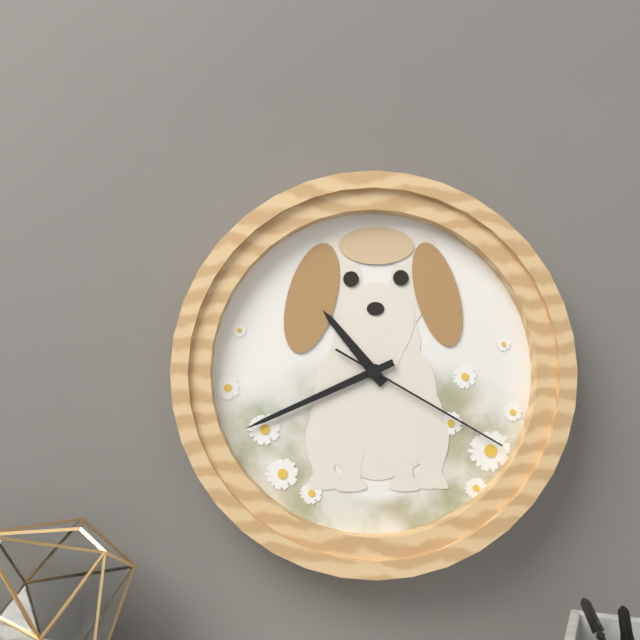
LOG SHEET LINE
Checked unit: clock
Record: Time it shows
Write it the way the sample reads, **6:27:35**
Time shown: **10:41:20**
